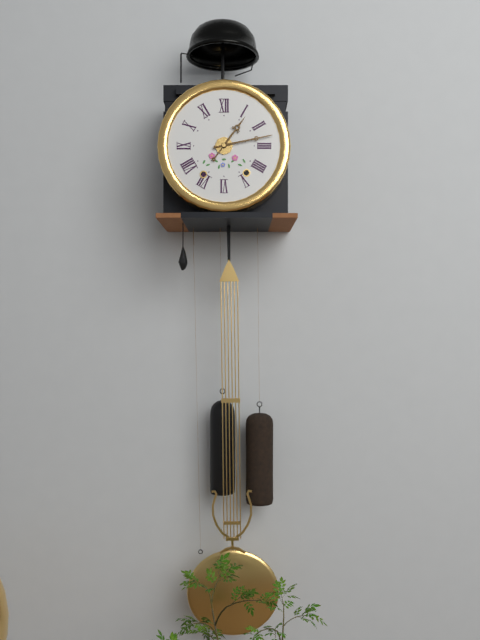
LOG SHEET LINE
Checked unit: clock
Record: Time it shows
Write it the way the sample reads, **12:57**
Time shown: **1:13**
